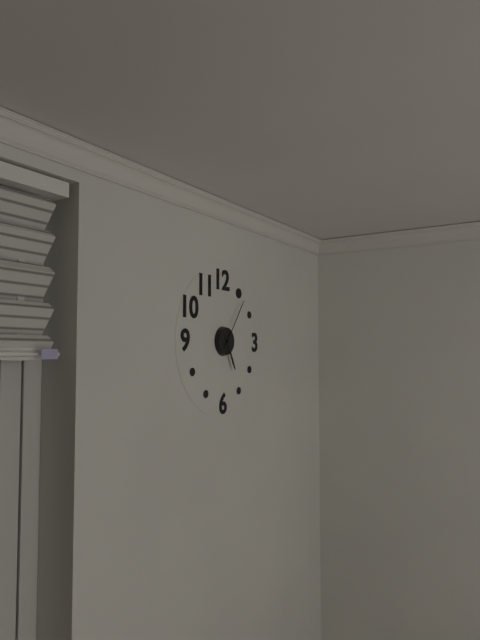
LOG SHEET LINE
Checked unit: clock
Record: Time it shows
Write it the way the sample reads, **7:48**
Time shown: **5:06**
